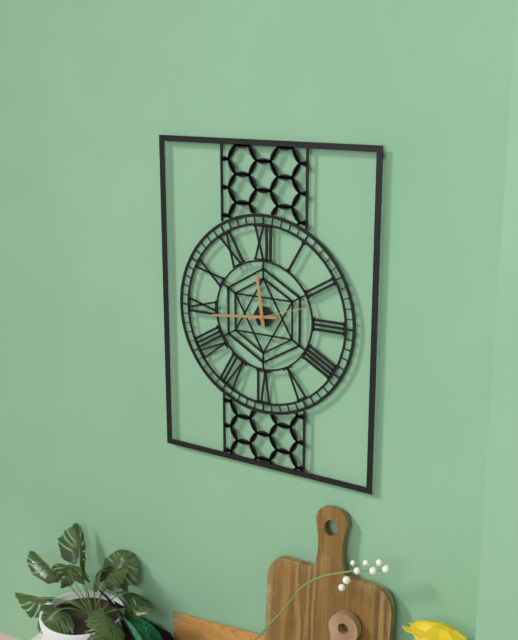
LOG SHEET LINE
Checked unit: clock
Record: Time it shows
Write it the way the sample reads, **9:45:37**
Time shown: **11:44:12**
